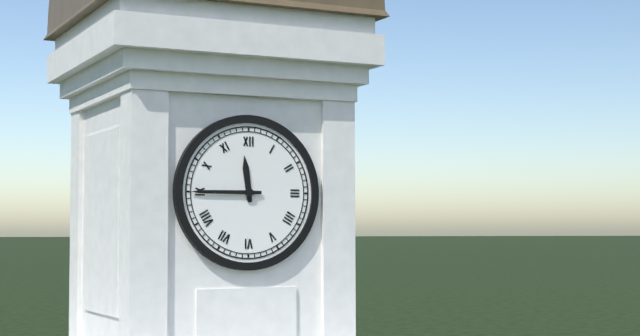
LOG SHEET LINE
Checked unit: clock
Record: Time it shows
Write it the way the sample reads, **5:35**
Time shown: **11:45**
